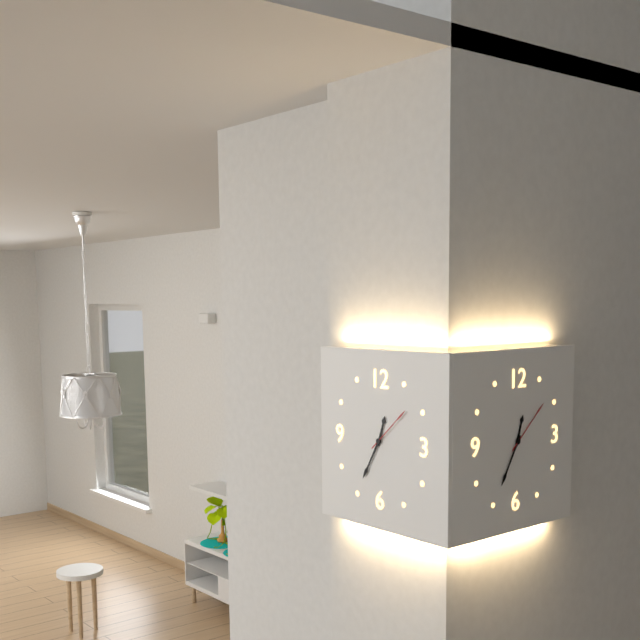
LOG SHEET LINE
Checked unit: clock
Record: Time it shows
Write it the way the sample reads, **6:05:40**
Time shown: **12:35:08**
